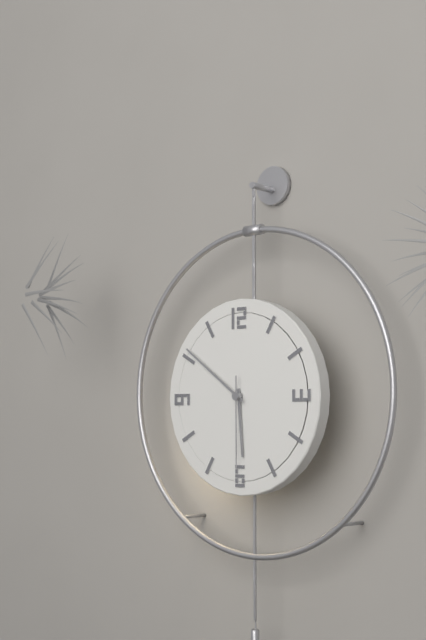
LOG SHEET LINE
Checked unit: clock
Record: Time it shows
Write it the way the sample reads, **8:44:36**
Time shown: **5:51:30**
